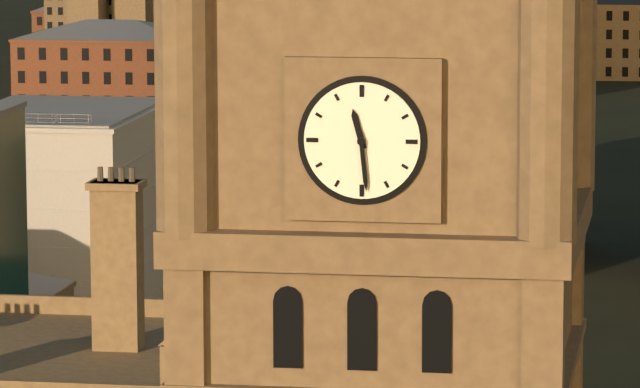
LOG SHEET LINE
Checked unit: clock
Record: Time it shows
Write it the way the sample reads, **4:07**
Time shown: **11:29**
